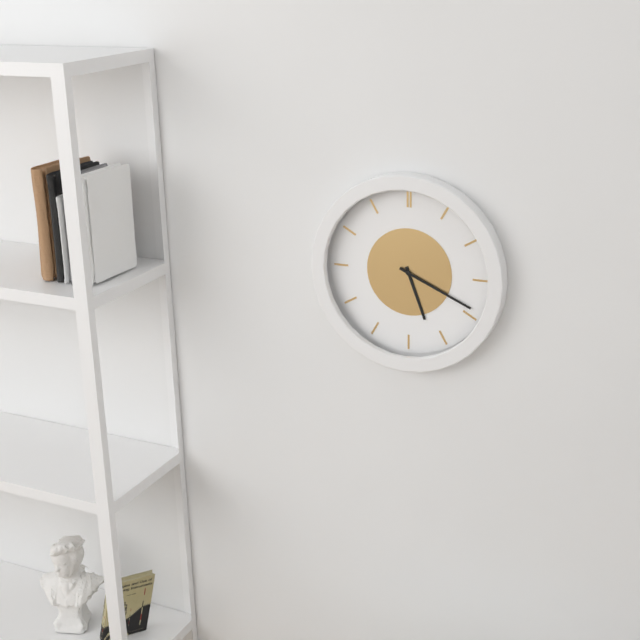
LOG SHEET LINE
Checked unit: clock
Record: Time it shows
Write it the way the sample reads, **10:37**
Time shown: **5:19**
